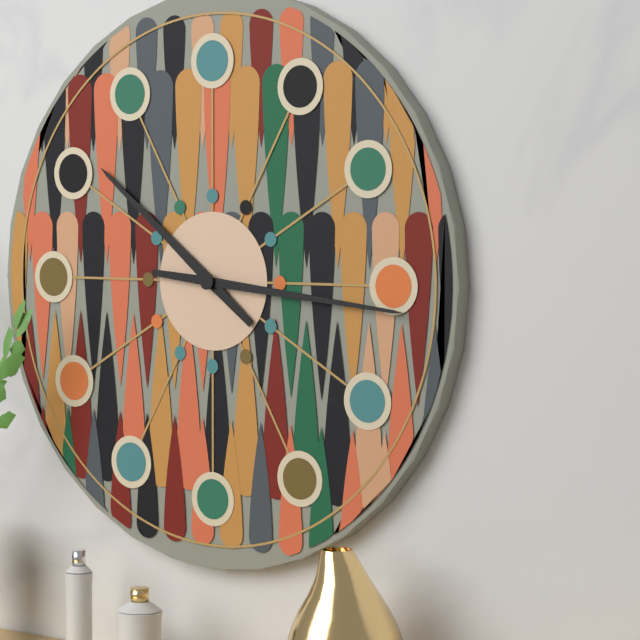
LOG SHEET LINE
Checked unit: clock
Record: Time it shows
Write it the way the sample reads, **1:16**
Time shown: **10:16**
